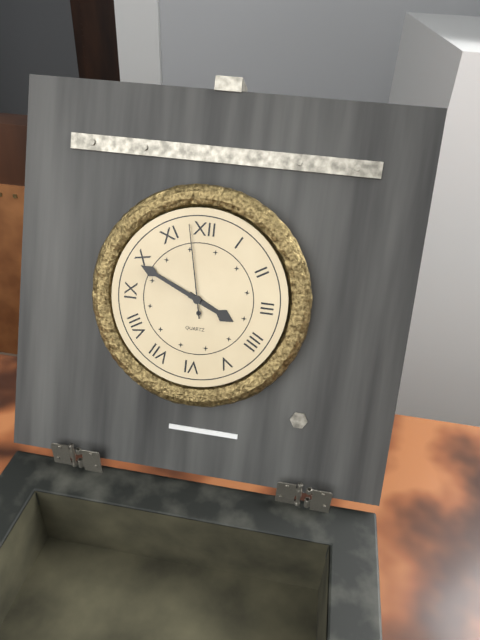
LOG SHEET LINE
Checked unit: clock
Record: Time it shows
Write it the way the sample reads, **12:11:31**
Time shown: **3:49:58**
